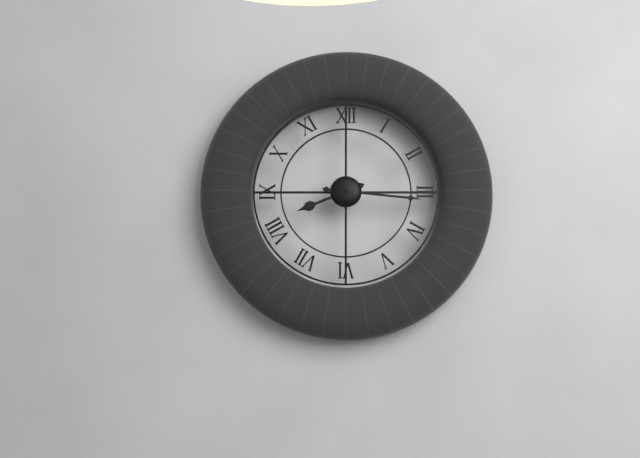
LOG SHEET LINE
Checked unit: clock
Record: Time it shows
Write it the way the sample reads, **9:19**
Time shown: **8:16**
